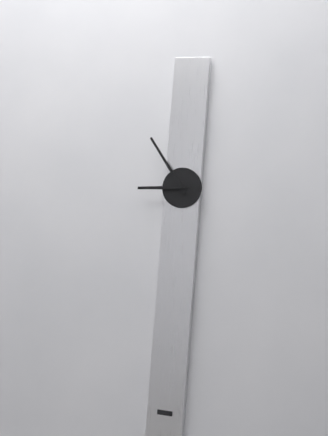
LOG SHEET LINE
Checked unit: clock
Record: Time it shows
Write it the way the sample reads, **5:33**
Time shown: **8:54**
